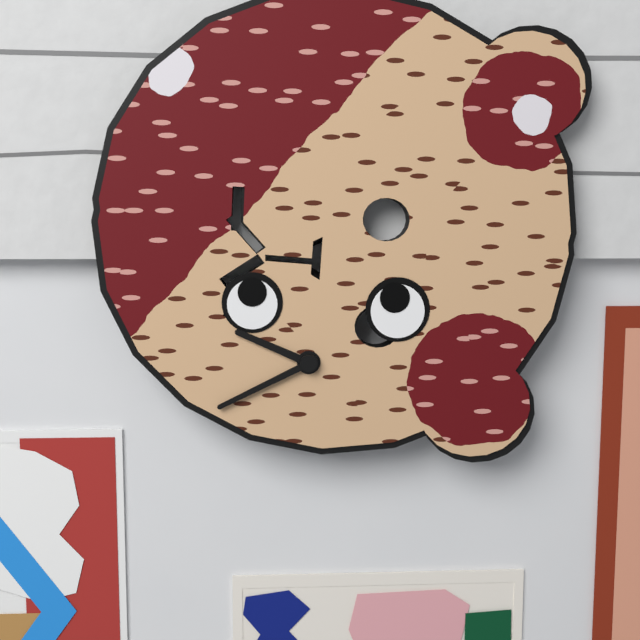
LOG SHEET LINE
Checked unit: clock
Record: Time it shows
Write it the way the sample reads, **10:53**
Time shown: **9:40**
